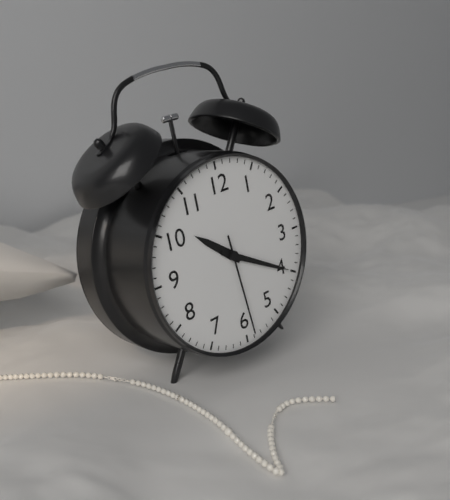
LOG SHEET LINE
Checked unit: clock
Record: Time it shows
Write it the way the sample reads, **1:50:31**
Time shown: **10:20:29**
